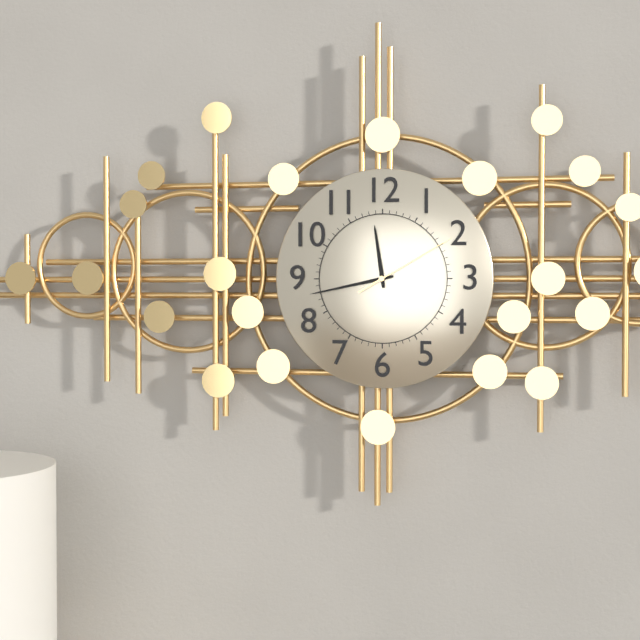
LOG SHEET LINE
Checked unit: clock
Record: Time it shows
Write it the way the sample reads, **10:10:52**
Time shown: **11:43:10**
